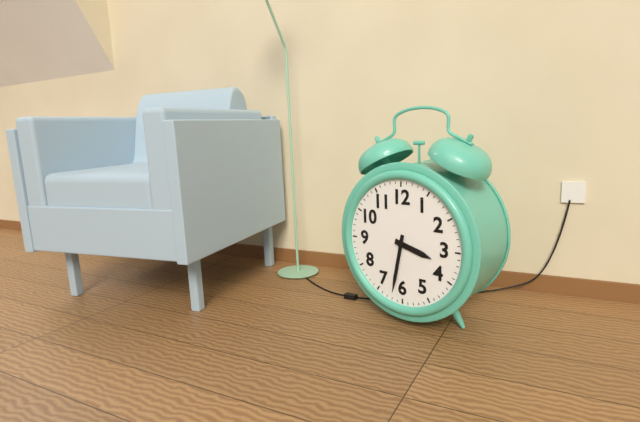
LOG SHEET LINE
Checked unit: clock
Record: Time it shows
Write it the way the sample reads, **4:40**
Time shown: **3:32**
